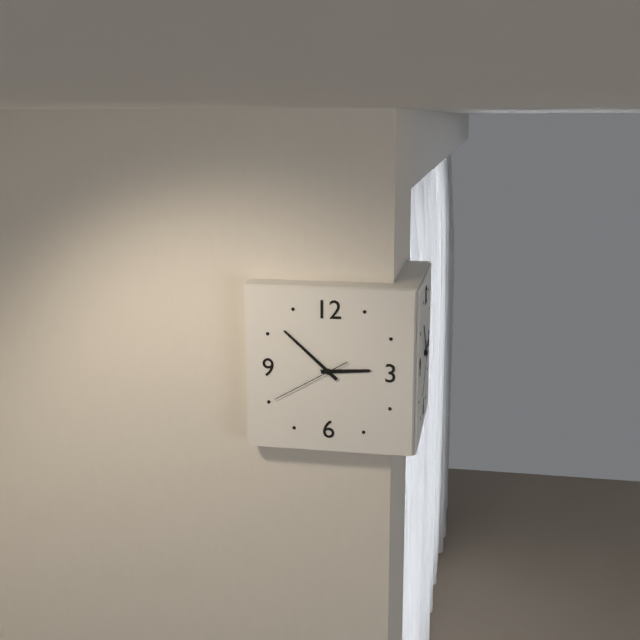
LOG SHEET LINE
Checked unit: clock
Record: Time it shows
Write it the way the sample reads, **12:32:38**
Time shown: **2:52:40**
